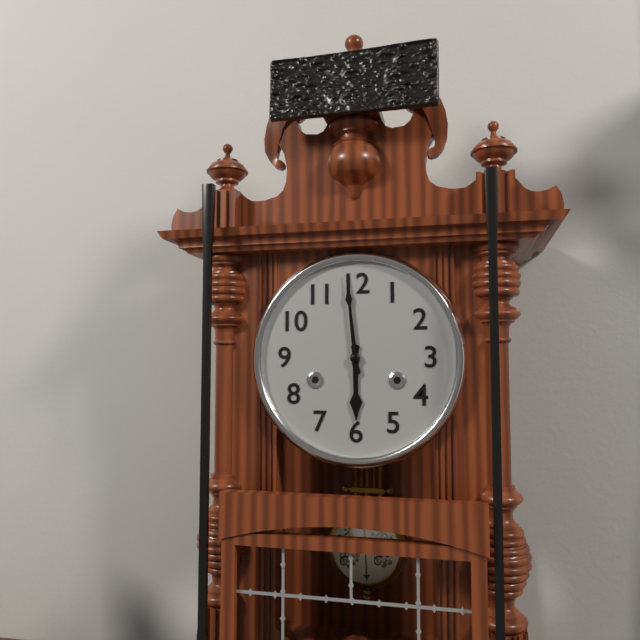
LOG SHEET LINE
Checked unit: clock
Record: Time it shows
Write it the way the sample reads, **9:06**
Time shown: **5:59**
